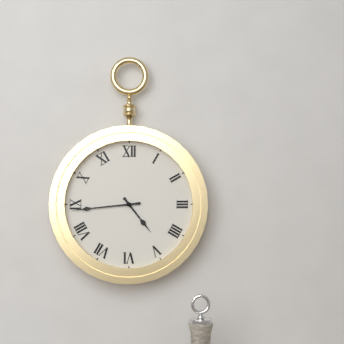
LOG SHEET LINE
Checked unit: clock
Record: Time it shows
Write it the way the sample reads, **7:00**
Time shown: **4:44**
